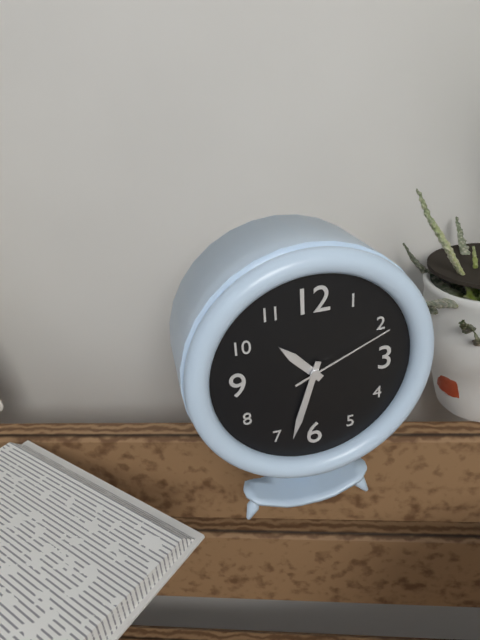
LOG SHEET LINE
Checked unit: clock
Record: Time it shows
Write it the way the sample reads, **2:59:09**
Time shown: **10:33:11**
